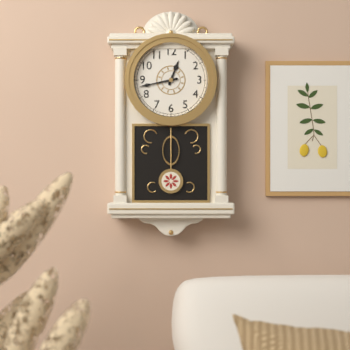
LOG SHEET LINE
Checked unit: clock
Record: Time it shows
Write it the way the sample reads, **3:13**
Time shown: **12:43**
